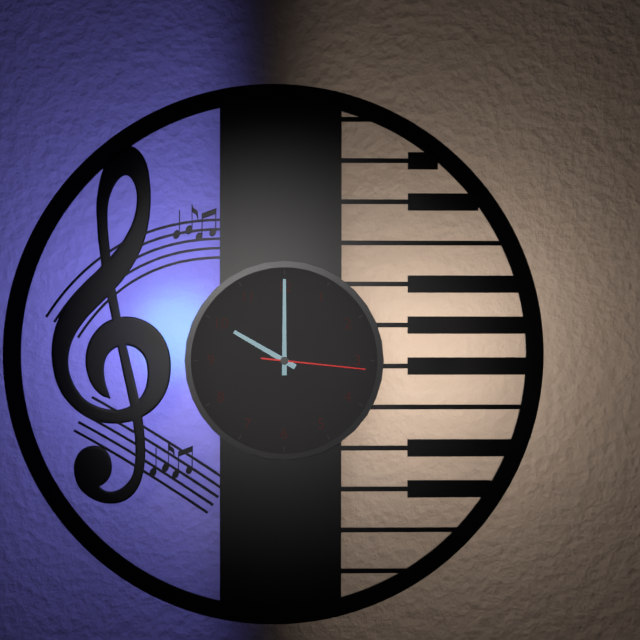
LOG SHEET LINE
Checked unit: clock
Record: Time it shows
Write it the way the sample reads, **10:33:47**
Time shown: **10:00:16**
